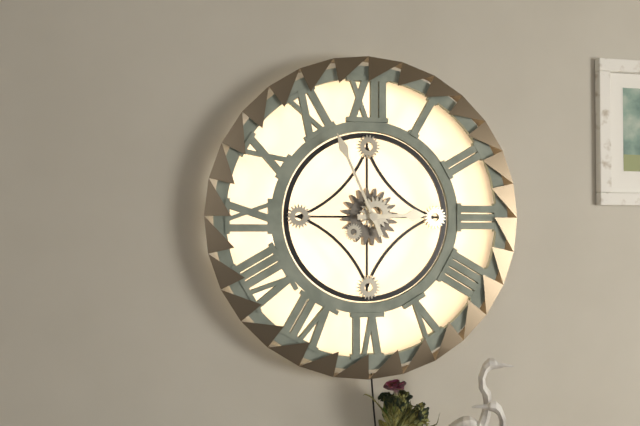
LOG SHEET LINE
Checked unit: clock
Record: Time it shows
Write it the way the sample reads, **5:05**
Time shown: **2:56**
